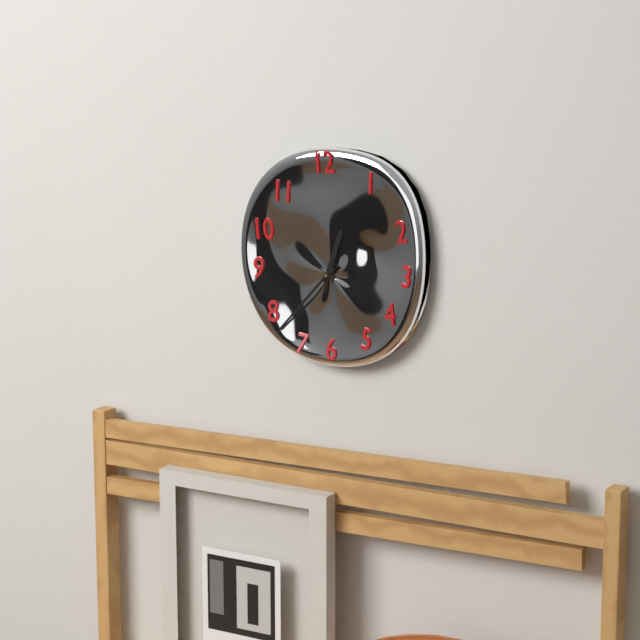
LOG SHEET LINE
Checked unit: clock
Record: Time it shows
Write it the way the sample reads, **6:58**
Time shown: **12:37**
